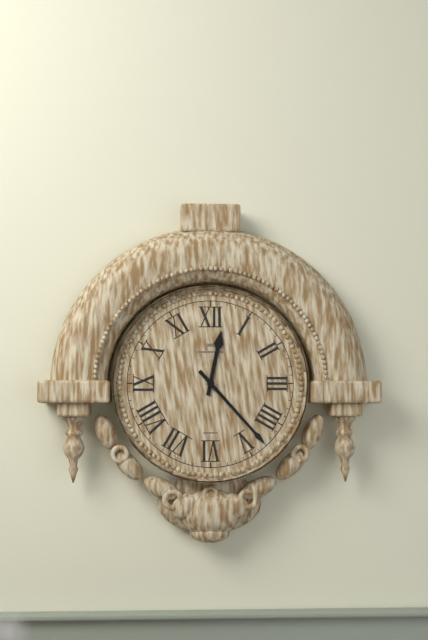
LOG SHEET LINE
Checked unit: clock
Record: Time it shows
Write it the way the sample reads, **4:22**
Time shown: **12:23**
